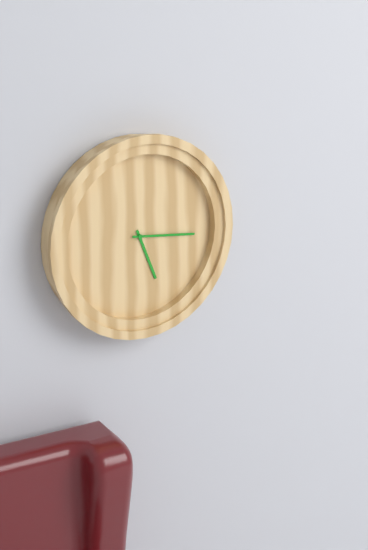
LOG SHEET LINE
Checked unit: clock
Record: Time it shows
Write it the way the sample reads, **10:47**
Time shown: **5:16**
